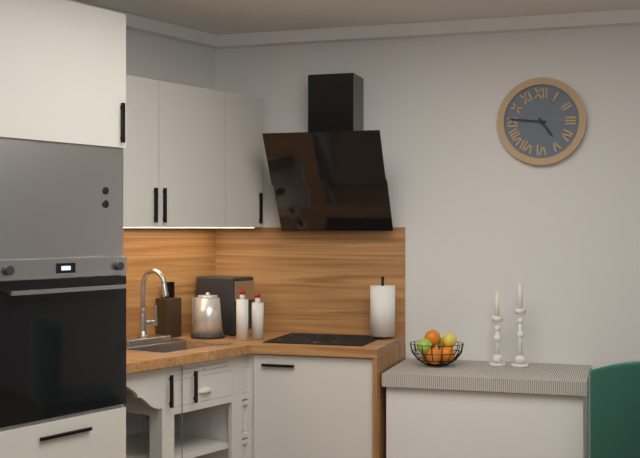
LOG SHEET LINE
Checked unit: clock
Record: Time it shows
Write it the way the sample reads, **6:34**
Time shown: **4:46**
